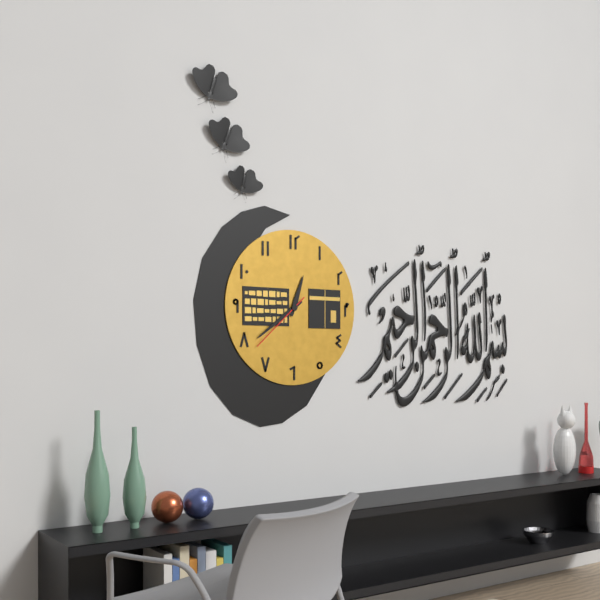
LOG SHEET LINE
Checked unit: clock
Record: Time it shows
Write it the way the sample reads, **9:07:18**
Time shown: **12:39:38**
